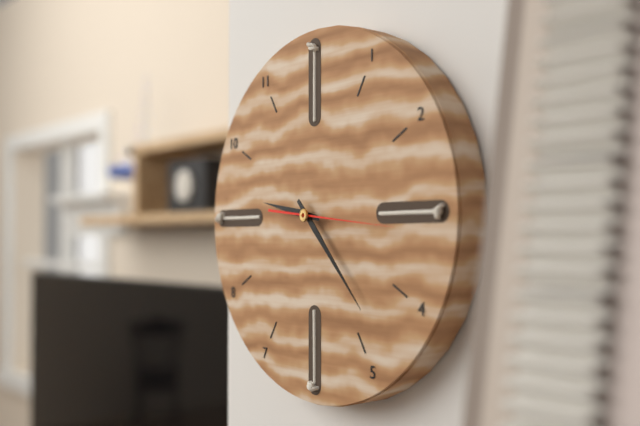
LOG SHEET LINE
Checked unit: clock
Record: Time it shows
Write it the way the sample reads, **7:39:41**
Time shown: **9:23:16**
